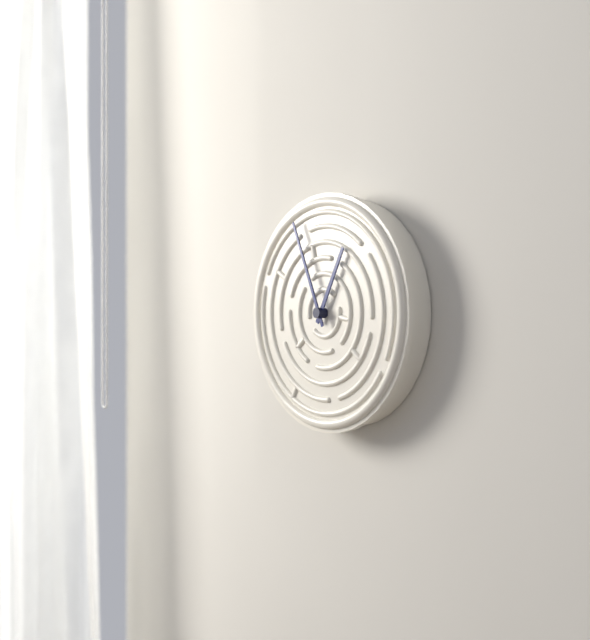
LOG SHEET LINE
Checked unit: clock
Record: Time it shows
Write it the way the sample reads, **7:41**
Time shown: **12:56**
